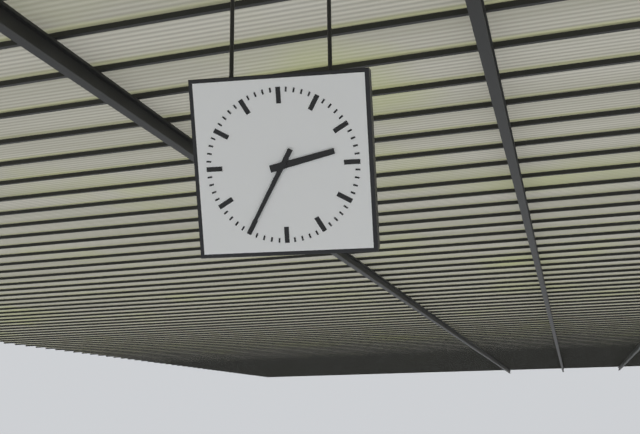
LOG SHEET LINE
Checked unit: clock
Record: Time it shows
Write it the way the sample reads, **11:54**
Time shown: **2:35**
